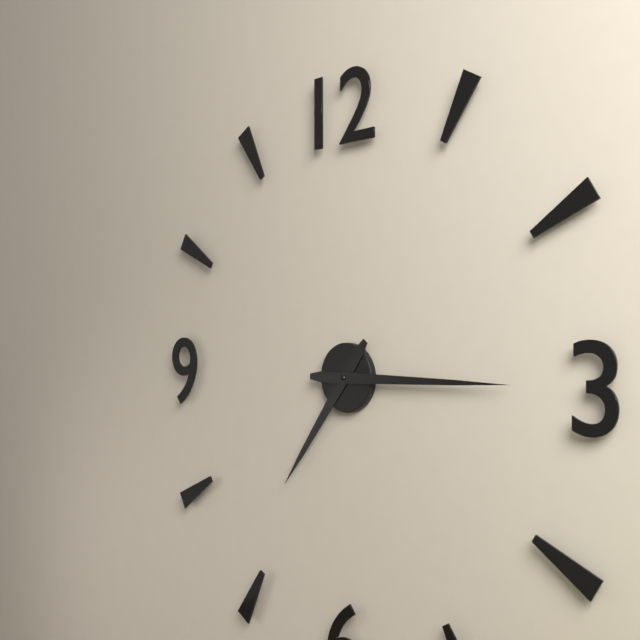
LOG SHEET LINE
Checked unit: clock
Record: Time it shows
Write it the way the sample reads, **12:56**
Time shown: **7:15**
